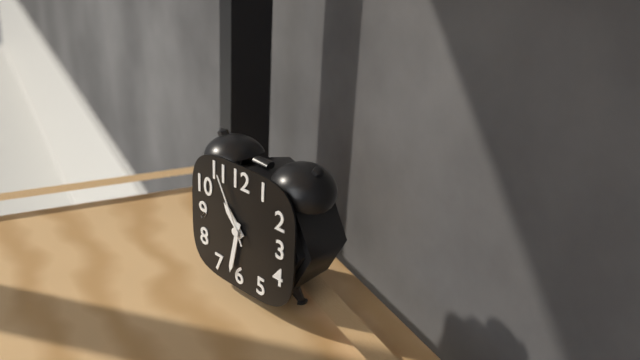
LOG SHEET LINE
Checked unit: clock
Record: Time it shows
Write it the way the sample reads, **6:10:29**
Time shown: **10:32:55**
